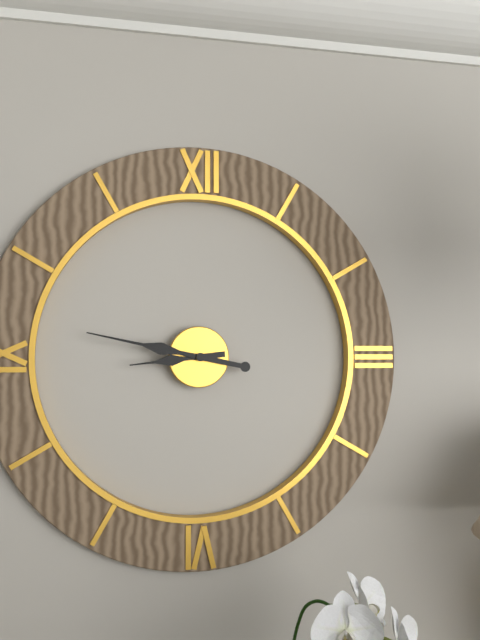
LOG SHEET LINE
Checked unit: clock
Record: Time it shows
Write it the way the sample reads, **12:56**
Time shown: **8:47**
